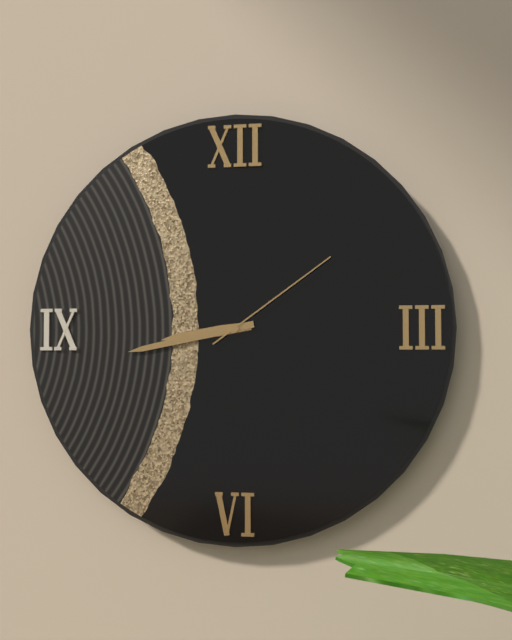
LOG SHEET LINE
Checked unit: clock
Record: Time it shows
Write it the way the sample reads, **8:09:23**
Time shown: **8:43:09**
